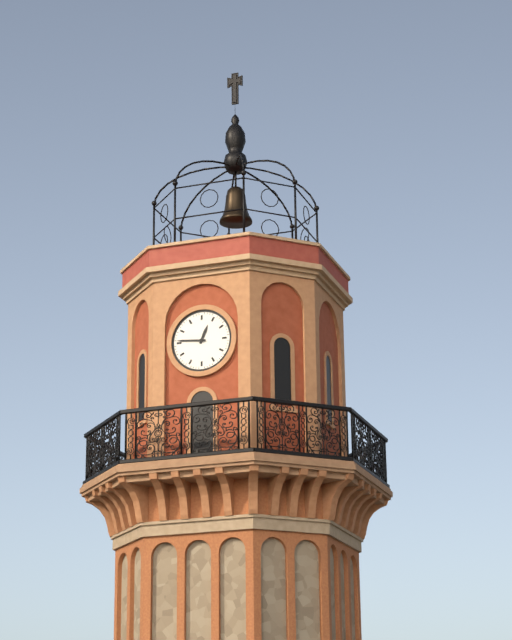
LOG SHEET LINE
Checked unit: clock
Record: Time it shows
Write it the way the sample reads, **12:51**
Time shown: **12:46**
